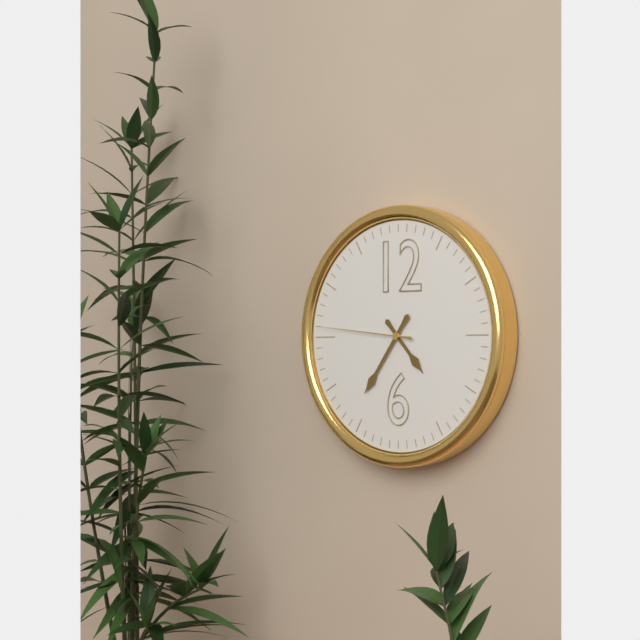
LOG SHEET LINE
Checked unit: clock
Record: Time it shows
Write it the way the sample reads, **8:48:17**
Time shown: **4:36:46**
